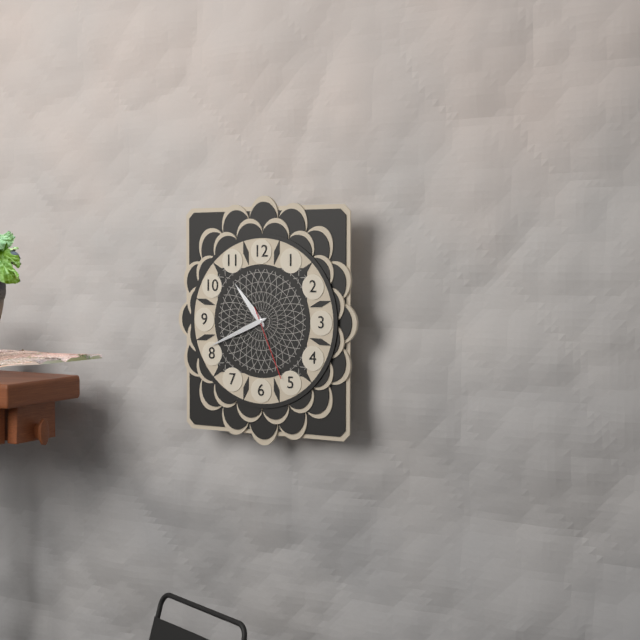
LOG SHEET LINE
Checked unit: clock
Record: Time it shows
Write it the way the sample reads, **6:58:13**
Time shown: **10:41:26**
